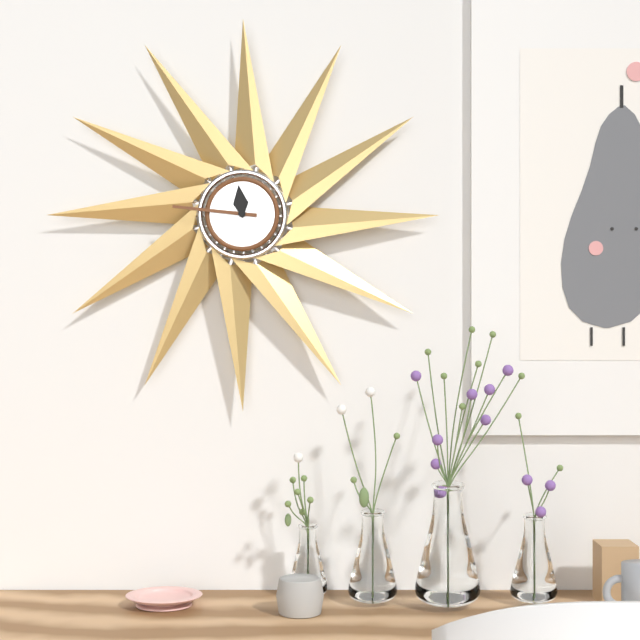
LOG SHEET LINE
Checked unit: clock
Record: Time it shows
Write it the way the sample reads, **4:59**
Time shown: **11:46**
